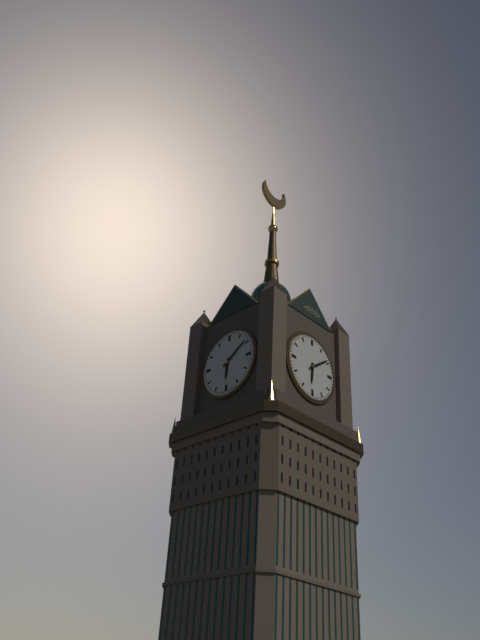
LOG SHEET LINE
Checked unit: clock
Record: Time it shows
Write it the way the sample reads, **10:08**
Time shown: **6:09**
